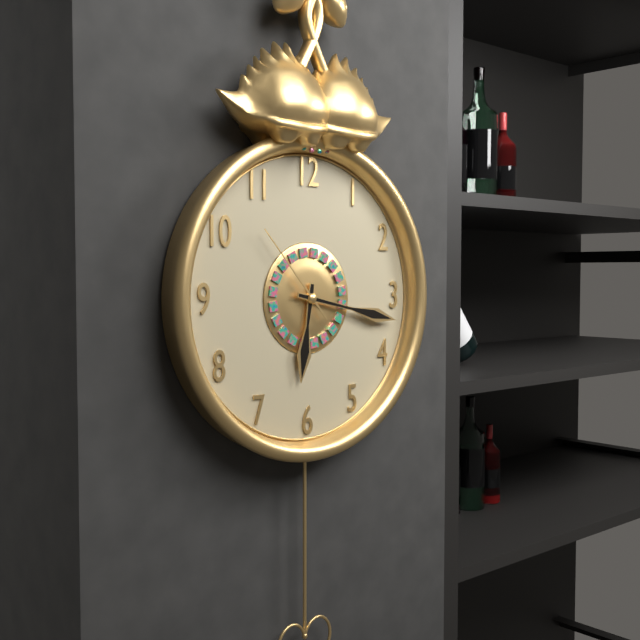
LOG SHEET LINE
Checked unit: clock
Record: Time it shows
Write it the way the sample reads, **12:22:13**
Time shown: **6:17:53**
